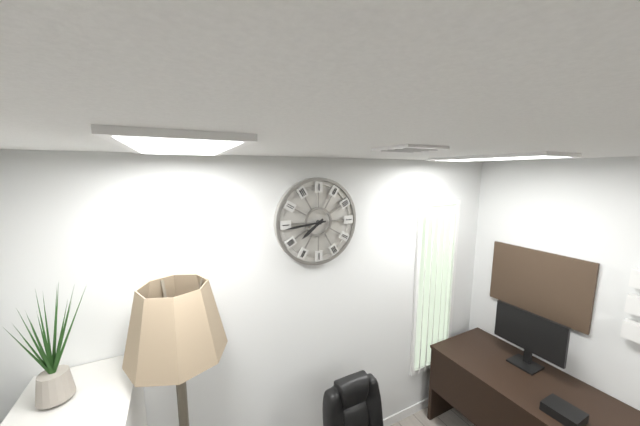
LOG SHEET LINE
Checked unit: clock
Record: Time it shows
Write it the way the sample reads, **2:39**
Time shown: **7:44**
